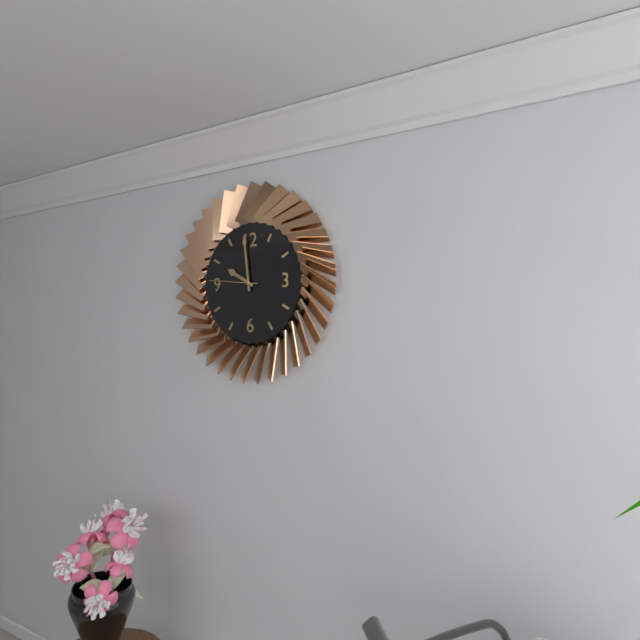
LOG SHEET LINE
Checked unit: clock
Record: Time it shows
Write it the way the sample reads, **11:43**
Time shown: **9:59**
